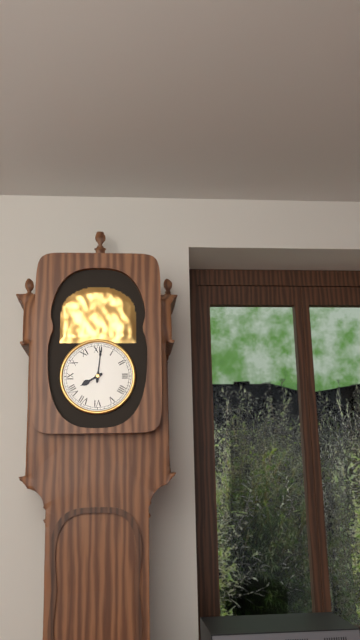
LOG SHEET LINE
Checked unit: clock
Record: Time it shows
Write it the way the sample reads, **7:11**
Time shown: **8:01**
